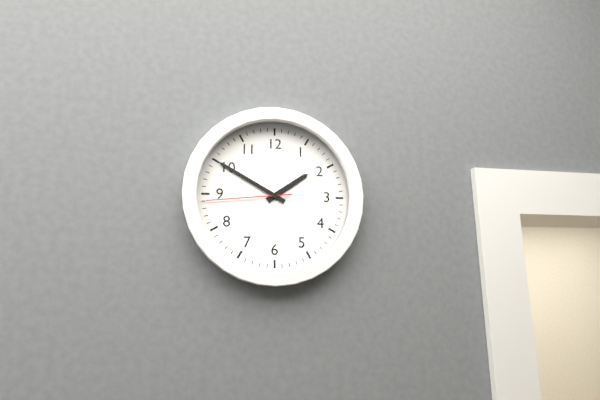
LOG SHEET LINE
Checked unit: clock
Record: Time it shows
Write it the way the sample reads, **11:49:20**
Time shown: **1:50:44**
